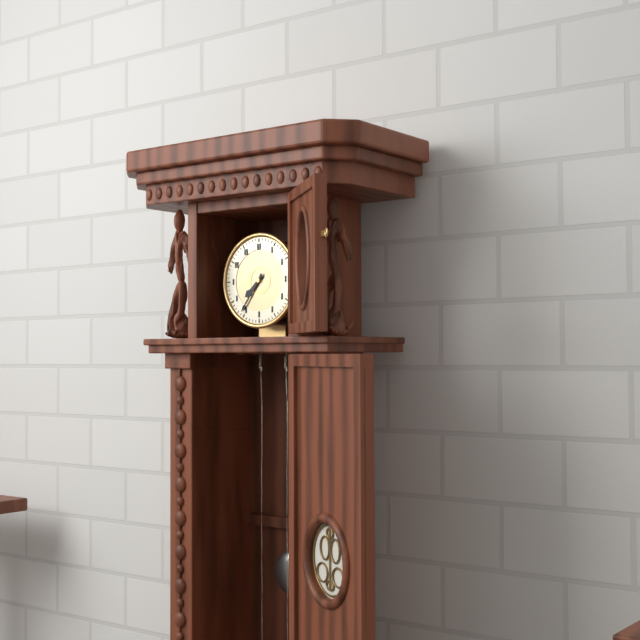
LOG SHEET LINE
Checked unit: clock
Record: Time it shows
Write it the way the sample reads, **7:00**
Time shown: **7:36**
